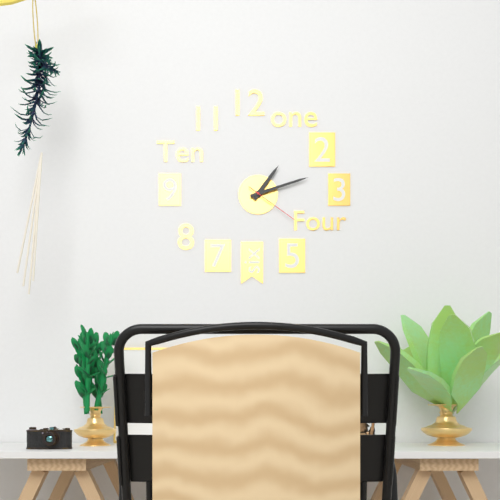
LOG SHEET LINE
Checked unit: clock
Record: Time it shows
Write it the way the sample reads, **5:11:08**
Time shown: **1:12:21**
